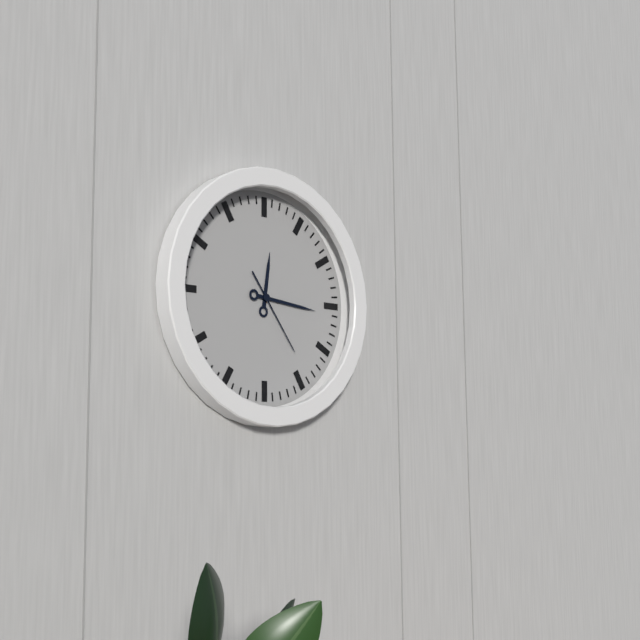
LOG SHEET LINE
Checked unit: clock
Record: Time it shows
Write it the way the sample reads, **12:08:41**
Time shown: **12:16:24**
